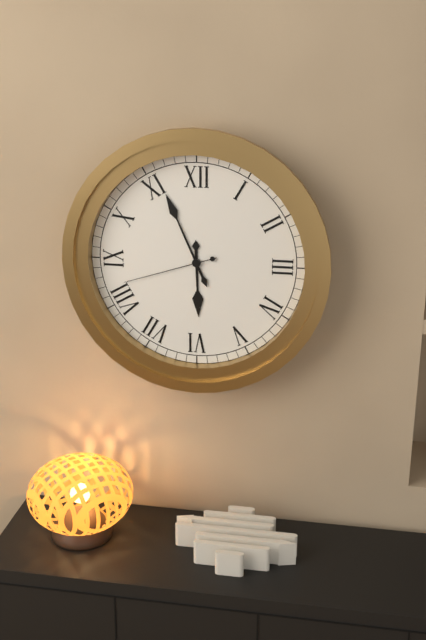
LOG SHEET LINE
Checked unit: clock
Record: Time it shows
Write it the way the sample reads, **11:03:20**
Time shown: **5:56:42**
